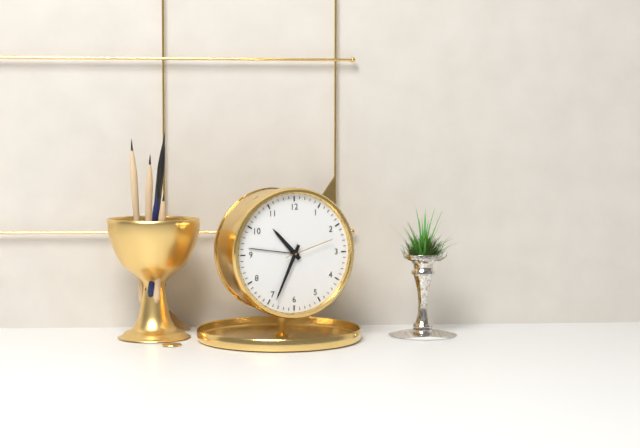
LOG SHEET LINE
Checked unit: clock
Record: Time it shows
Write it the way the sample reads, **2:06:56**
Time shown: **10:34:12**
